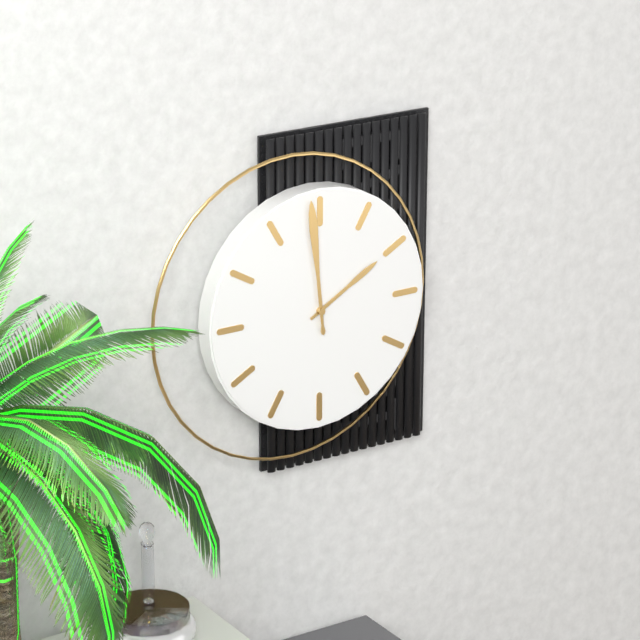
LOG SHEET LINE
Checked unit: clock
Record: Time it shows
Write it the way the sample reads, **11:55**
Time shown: **1:59**
